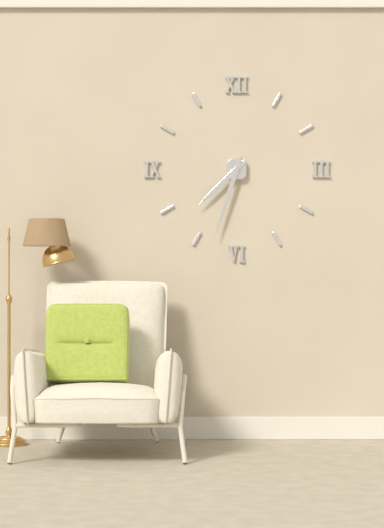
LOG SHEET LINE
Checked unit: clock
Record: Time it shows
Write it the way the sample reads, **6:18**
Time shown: **7:33**
